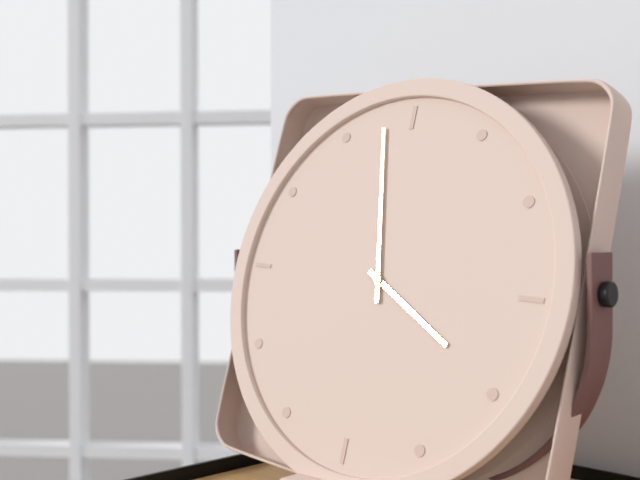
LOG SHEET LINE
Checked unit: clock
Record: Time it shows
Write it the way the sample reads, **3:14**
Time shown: **3:58**
